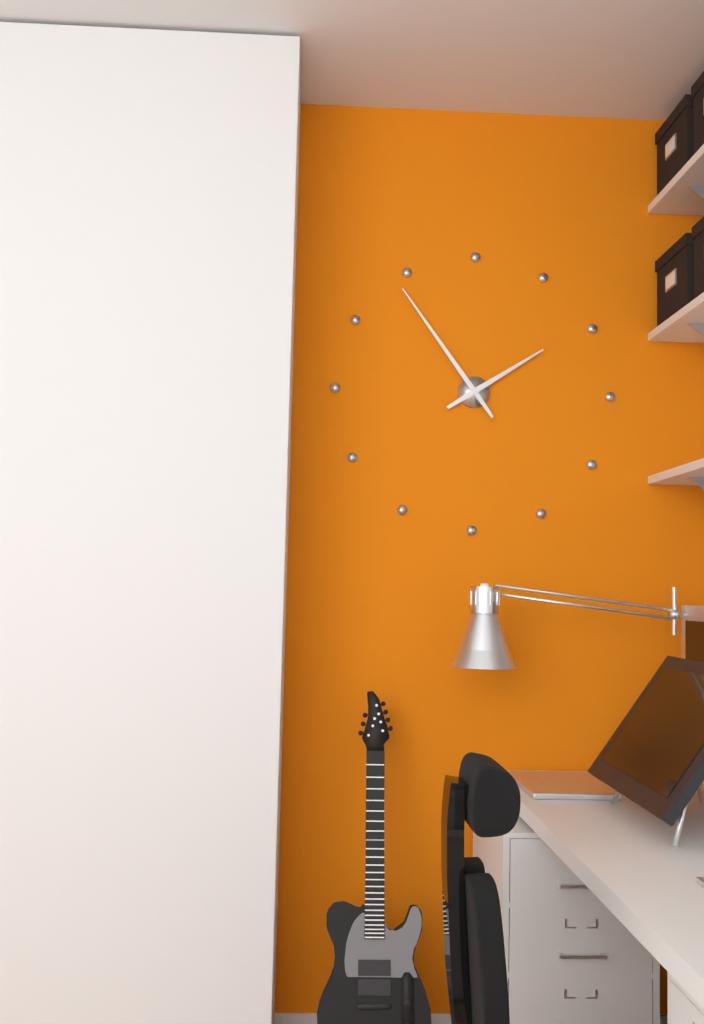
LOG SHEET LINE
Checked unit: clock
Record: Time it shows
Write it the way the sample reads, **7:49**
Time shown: **1:54**
